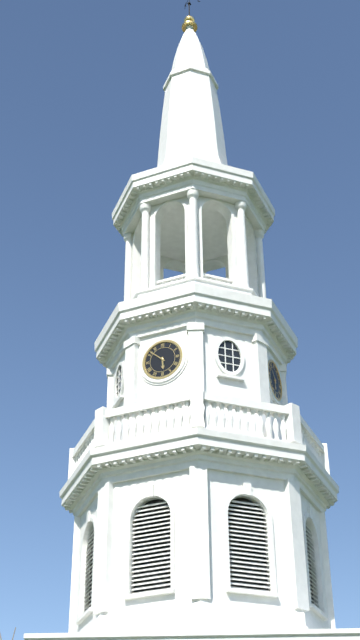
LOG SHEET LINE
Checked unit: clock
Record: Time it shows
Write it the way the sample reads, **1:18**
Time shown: **5:52**
